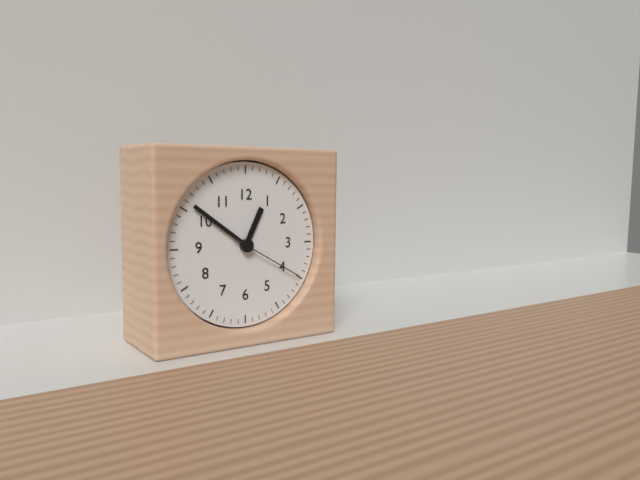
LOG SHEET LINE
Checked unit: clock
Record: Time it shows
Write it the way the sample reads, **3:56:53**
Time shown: **12:51:20**
